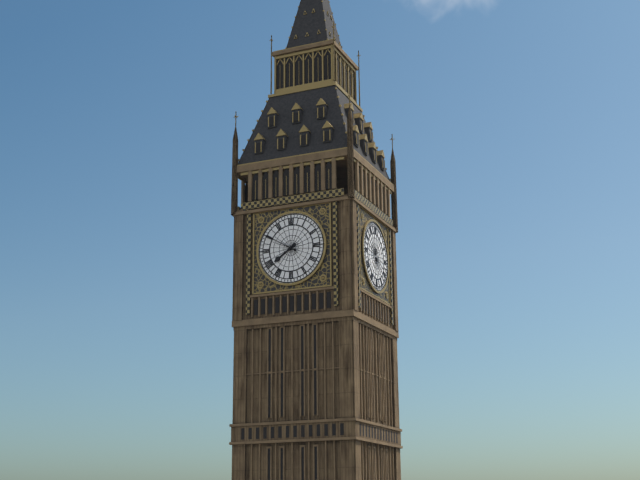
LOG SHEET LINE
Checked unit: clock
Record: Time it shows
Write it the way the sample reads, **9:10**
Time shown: **7:50**
